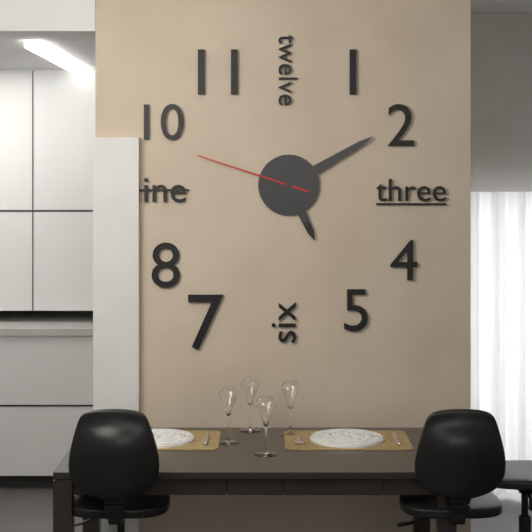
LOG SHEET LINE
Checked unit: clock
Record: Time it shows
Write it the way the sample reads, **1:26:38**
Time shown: **5:10:48**
